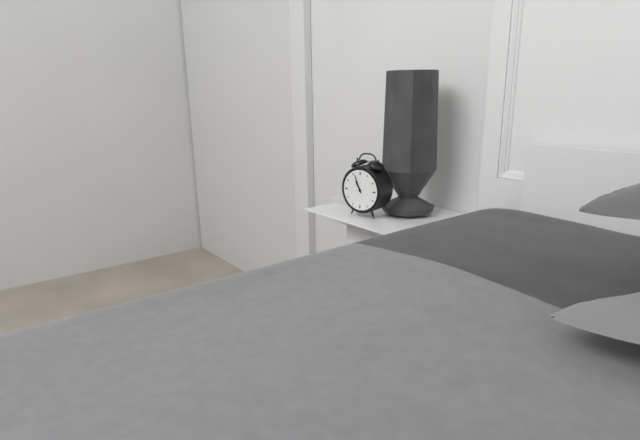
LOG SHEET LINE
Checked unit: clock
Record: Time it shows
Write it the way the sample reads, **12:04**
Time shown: **10:56**
